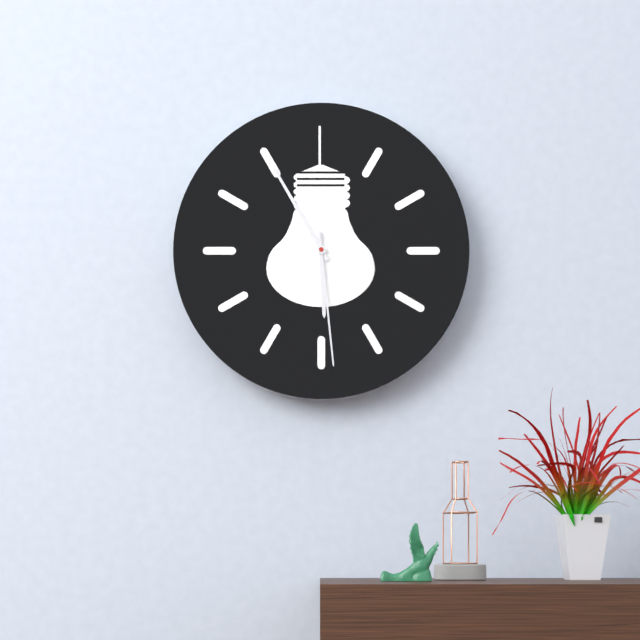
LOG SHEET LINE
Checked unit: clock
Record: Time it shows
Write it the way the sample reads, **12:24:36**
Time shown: **5:55:29**
